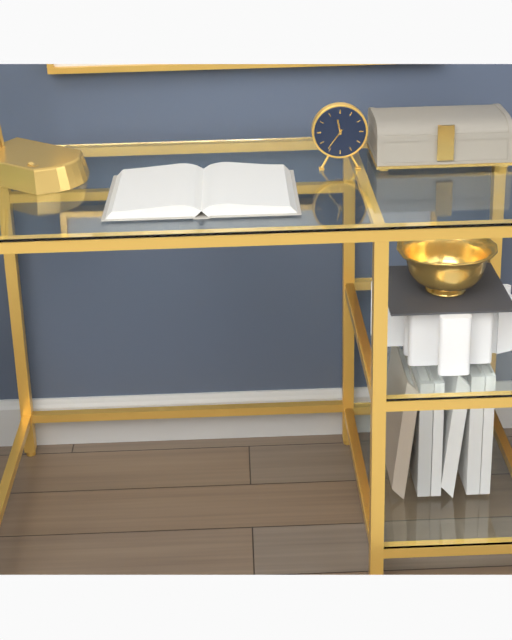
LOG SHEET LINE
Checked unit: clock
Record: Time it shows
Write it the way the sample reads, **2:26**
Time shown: **11:36**
